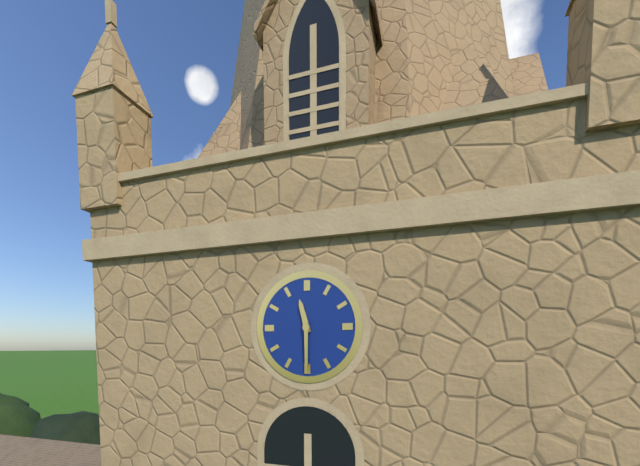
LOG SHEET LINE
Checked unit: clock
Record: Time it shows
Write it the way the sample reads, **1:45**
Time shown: **11:30**
